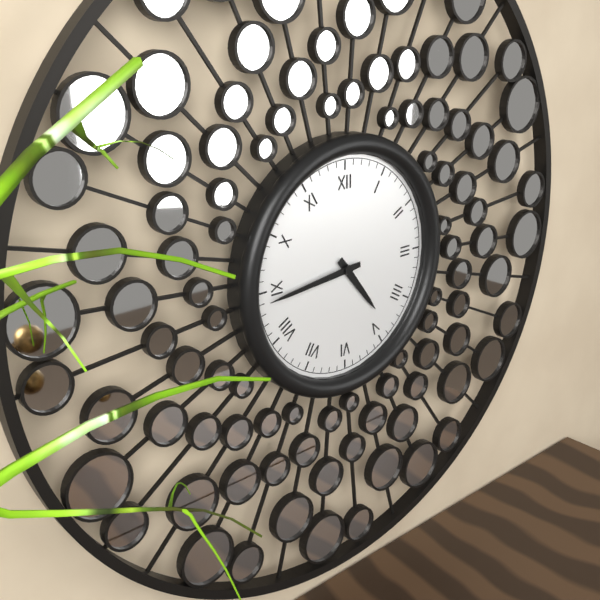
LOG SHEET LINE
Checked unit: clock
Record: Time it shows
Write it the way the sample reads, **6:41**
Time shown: **4:44**
